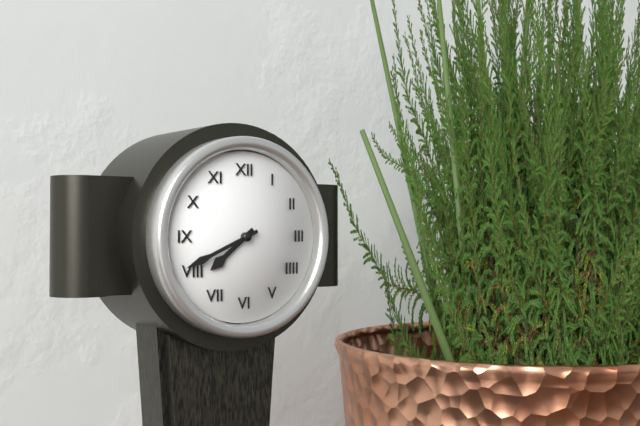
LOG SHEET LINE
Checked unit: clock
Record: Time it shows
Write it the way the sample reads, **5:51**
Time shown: **7:41**
